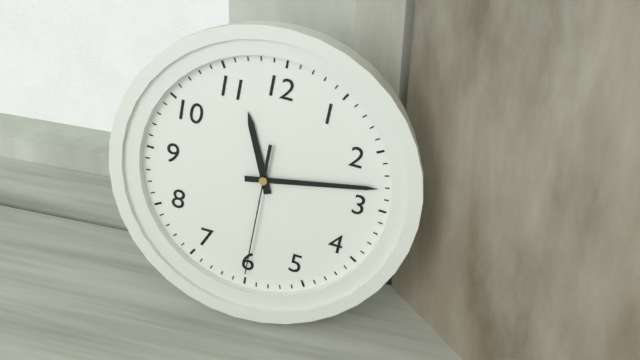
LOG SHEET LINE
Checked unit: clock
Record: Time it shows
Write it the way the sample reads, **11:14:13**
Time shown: **11:13:30**
